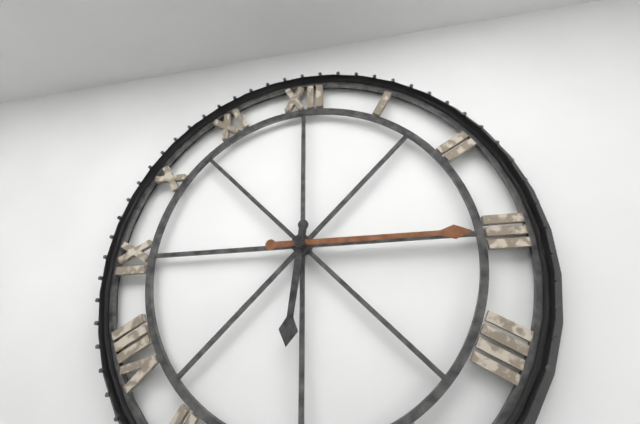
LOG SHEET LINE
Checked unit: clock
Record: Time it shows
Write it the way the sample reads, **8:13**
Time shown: **6:15**
